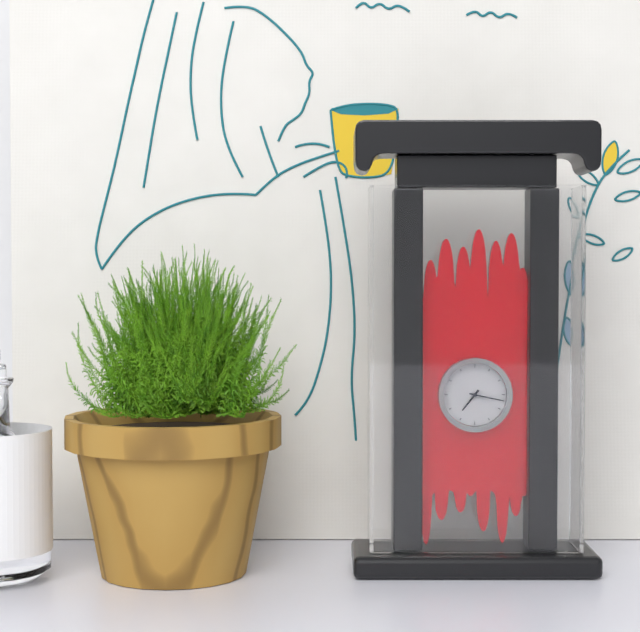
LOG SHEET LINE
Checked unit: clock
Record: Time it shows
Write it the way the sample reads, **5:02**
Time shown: **7:17**
